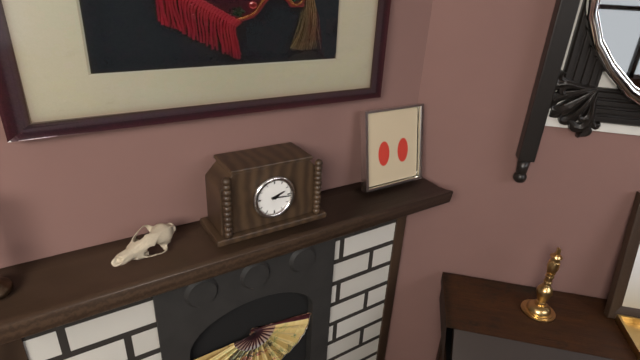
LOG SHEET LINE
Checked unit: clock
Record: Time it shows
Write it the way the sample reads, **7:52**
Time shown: **2:16**
